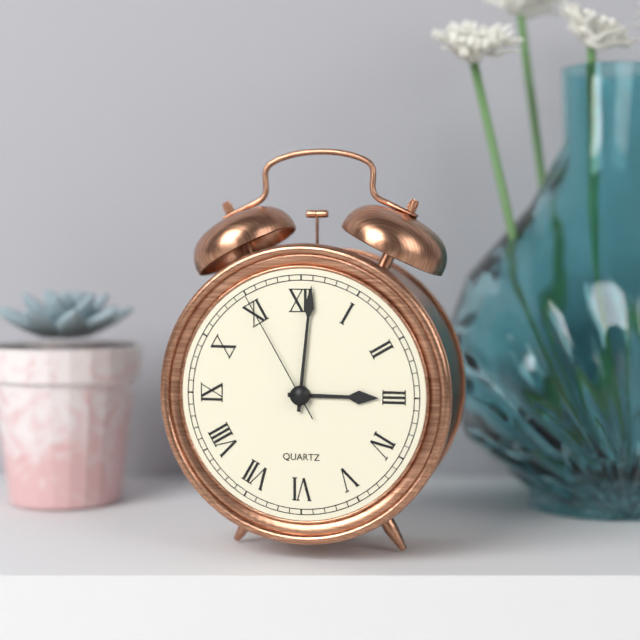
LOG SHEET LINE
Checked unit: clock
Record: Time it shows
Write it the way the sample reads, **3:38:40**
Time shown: **3:01:55**
